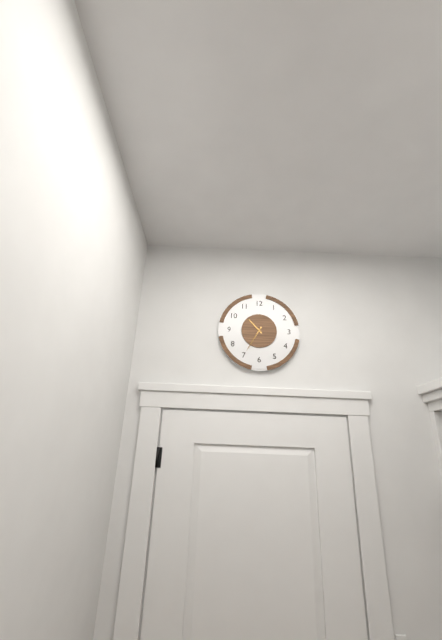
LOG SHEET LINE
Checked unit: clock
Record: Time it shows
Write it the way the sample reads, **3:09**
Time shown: **10:35**
